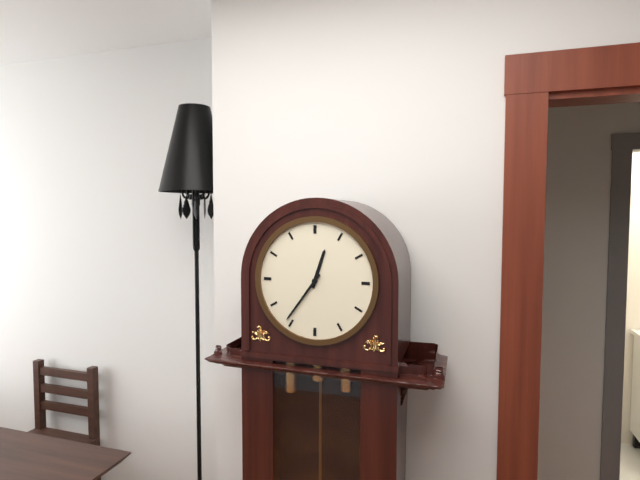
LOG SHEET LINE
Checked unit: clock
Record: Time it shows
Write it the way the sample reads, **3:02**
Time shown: **12:36**
